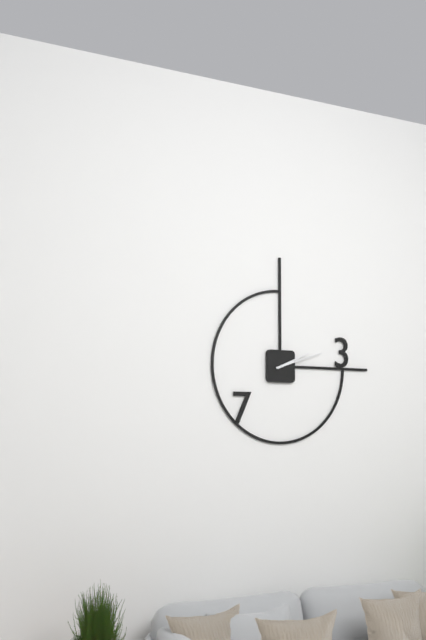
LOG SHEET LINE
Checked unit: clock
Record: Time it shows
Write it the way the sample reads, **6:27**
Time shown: **2:12**
